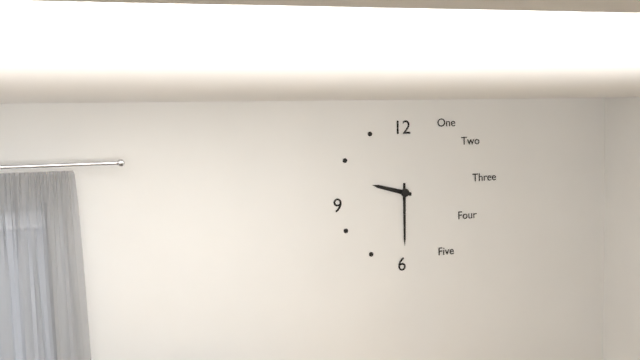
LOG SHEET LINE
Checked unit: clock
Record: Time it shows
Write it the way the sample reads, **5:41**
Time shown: **9:30**
